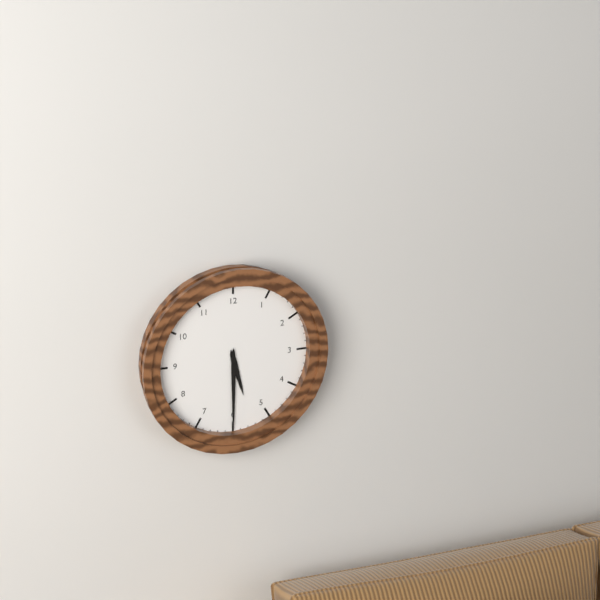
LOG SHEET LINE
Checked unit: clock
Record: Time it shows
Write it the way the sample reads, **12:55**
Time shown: **5:30**
